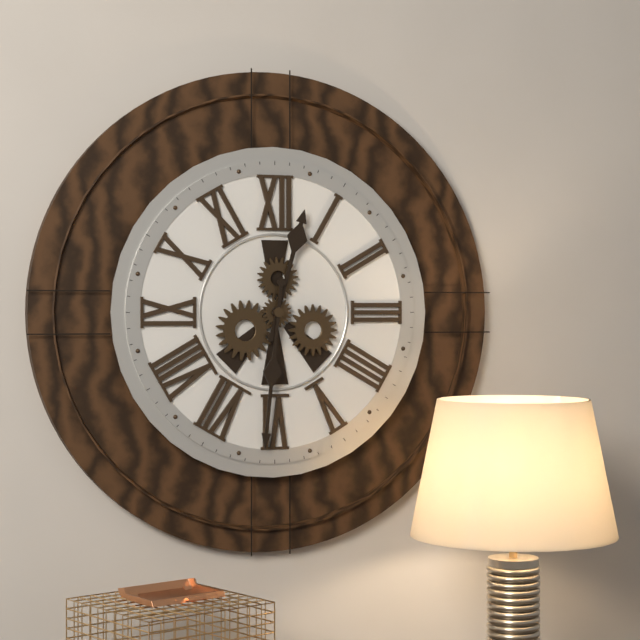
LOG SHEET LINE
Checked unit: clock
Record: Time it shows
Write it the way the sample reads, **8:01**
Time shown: **12:31**
